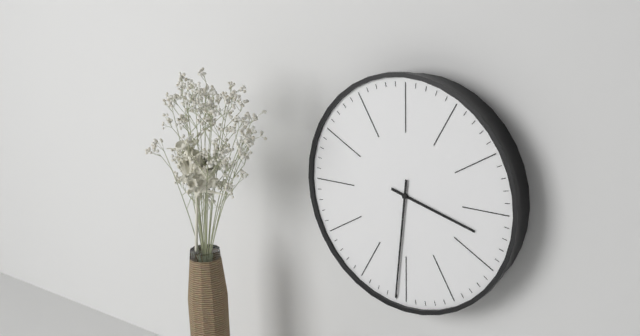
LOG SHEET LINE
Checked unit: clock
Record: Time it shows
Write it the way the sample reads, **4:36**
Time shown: **3:31**
